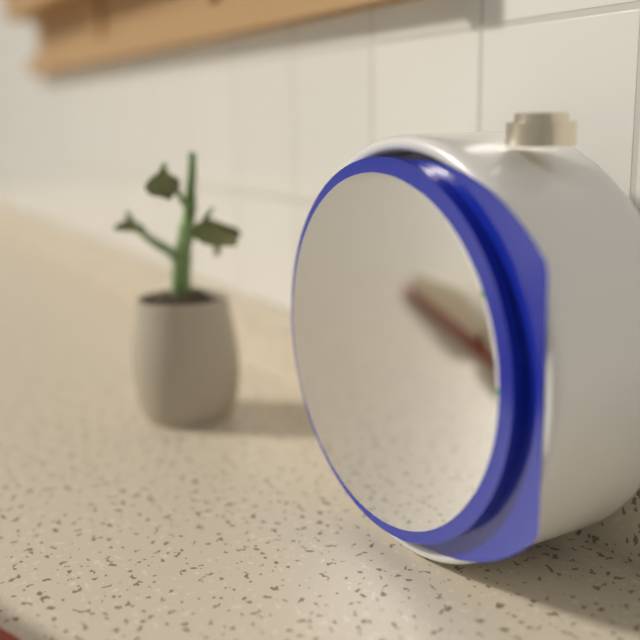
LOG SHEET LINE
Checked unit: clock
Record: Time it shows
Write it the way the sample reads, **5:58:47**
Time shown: **9:54:59**
